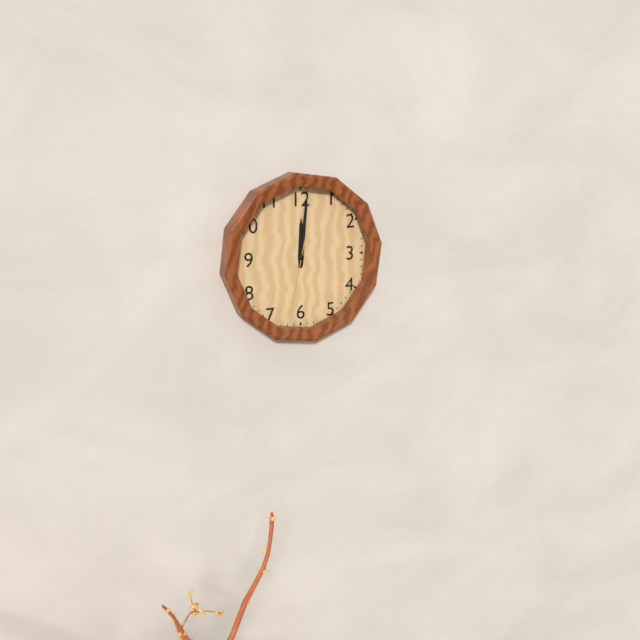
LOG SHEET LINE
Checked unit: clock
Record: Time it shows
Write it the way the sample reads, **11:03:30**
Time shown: **12:01:32**
